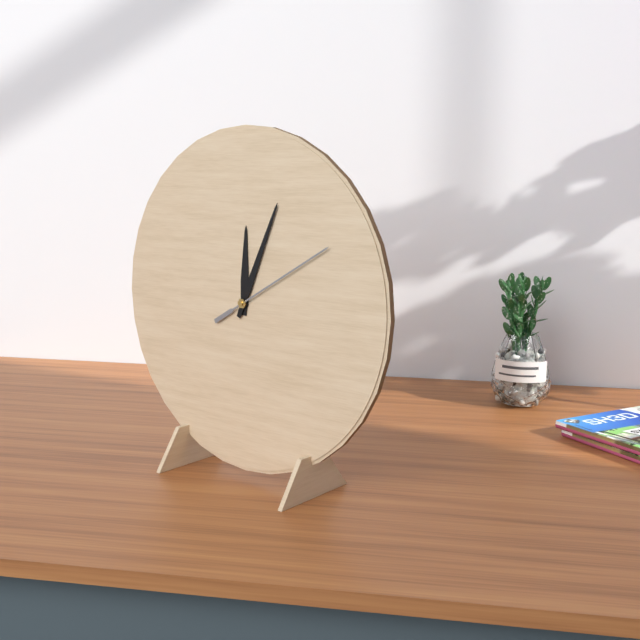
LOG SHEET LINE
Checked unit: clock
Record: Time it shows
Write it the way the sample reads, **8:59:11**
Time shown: **12:04:10**
